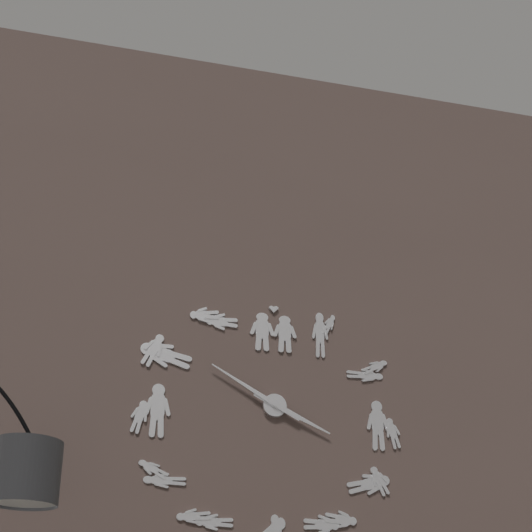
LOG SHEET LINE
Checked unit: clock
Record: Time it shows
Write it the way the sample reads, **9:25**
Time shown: **3:50**
